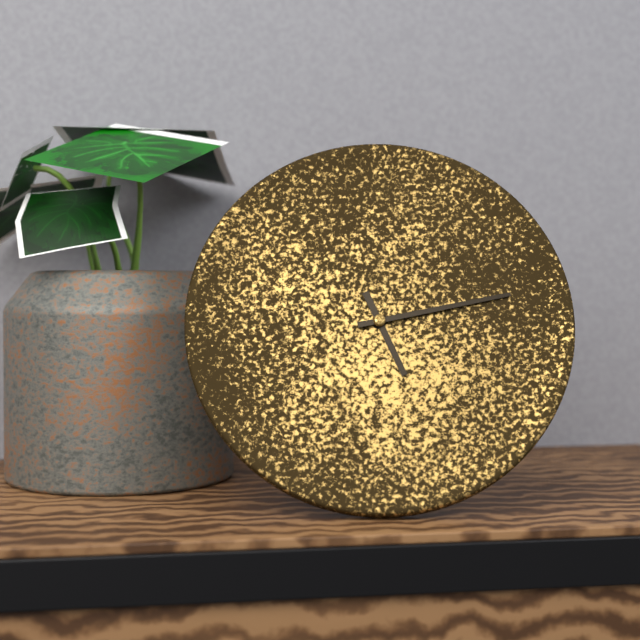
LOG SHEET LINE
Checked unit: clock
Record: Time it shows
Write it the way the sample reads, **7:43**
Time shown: **5:13**
